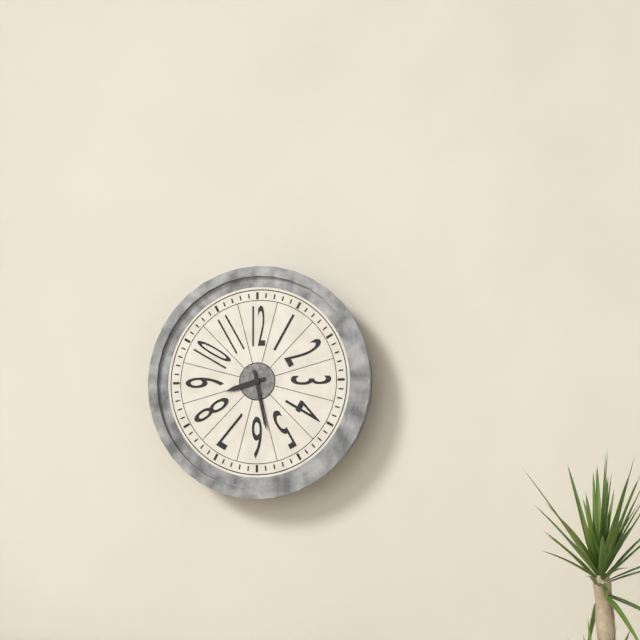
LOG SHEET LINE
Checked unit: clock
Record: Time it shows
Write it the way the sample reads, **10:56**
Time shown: **8:28**
